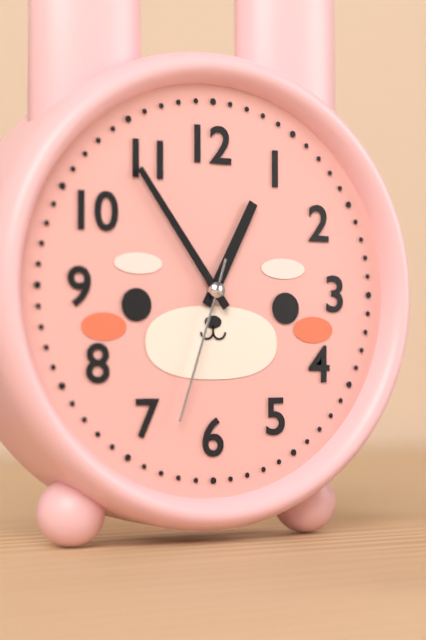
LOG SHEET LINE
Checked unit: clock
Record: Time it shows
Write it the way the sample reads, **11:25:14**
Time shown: **12:54:33**
